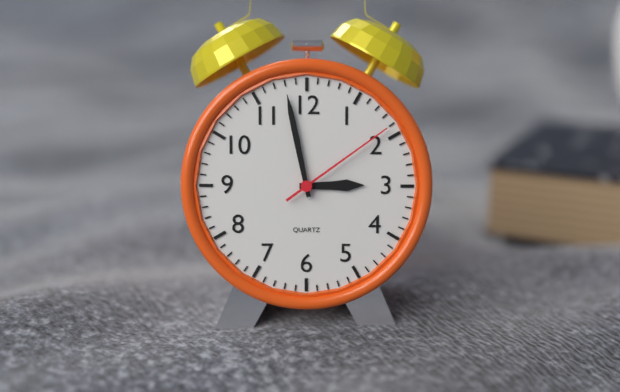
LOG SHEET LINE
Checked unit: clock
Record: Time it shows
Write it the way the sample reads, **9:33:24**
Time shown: **2:58:09**
